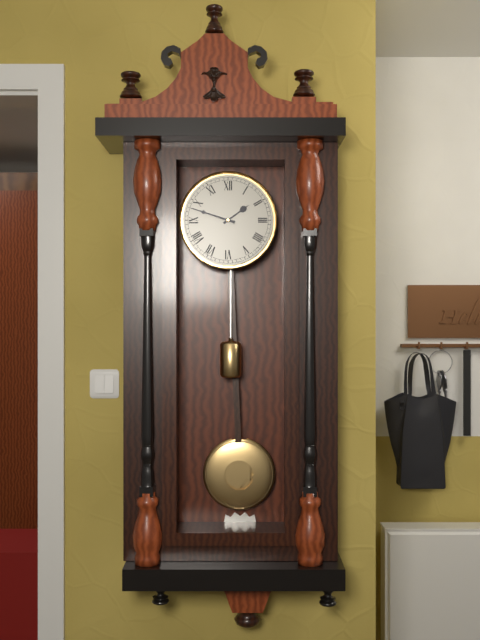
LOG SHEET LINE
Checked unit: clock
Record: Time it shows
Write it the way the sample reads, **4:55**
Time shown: **1:48**
